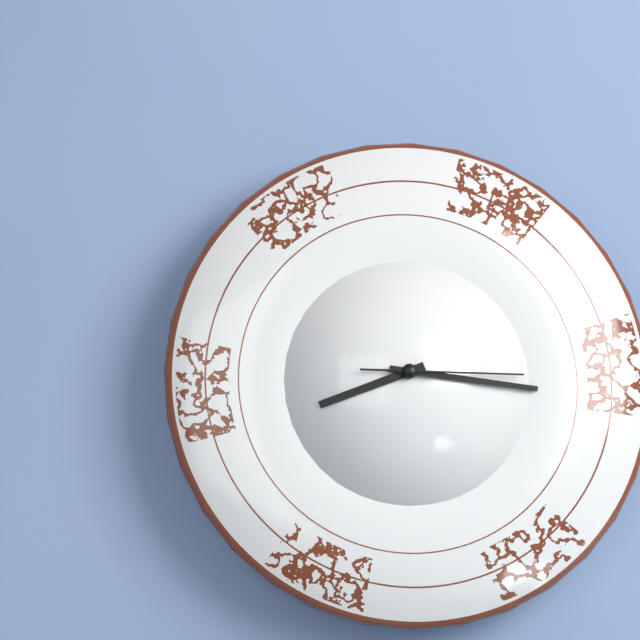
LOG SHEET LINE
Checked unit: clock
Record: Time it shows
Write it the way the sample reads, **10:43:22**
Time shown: **8:16:15**
